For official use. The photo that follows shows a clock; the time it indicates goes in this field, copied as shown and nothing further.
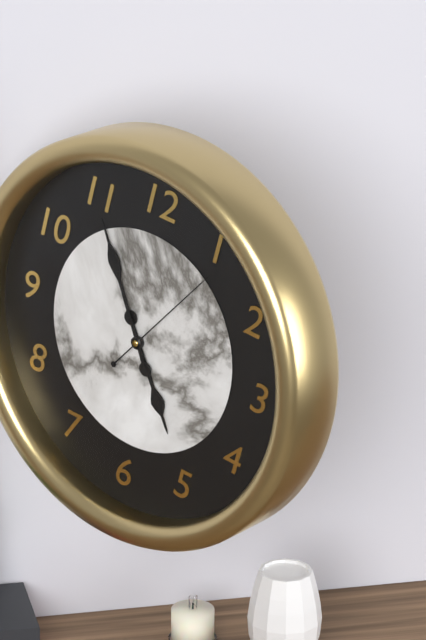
4:55:06
